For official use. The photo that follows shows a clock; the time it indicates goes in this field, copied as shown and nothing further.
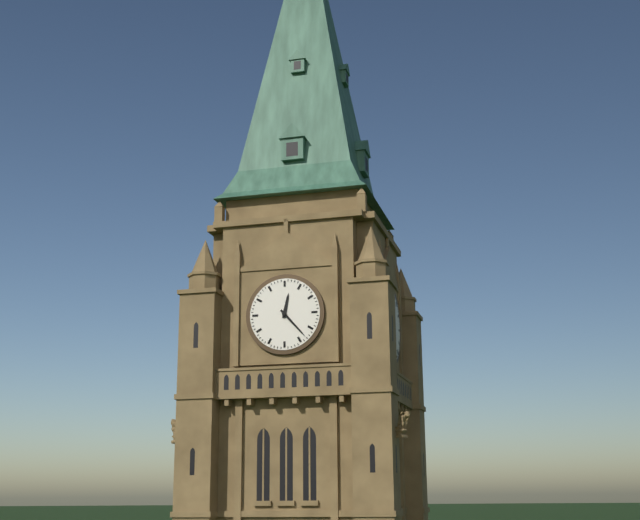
12:23
